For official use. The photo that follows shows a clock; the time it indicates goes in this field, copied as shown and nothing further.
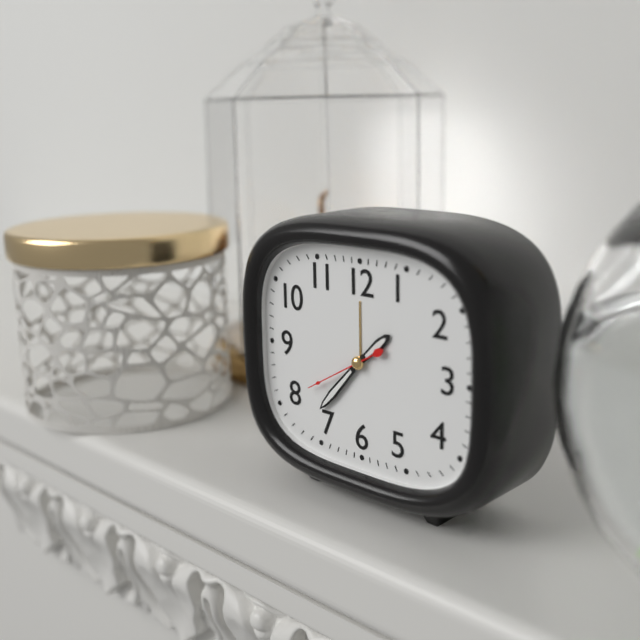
1:37:40
